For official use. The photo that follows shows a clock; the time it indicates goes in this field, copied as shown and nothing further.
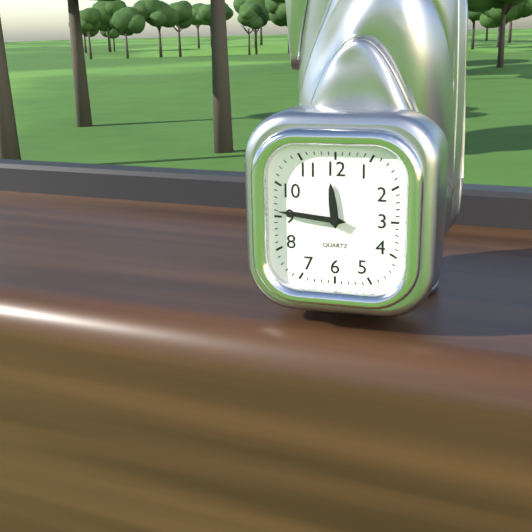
11:46
